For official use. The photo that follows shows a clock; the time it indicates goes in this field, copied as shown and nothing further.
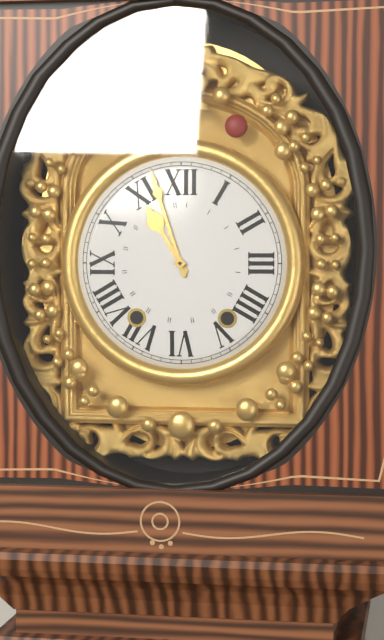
10:57
